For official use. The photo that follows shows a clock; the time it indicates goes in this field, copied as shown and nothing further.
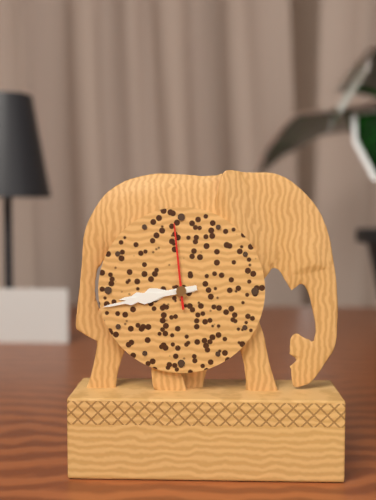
8:43:59
